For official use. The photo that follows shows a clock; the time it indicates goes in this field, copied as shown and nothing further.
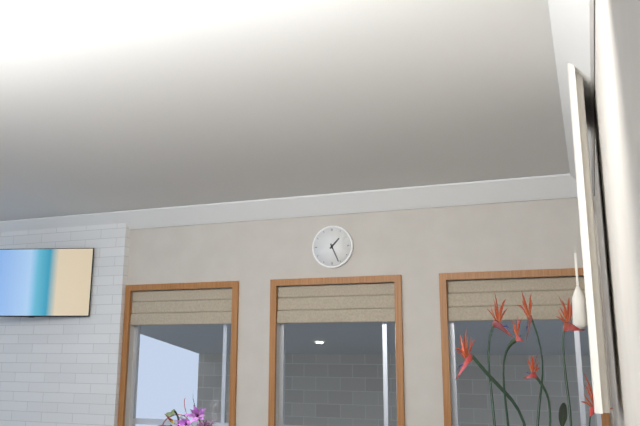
1:26
